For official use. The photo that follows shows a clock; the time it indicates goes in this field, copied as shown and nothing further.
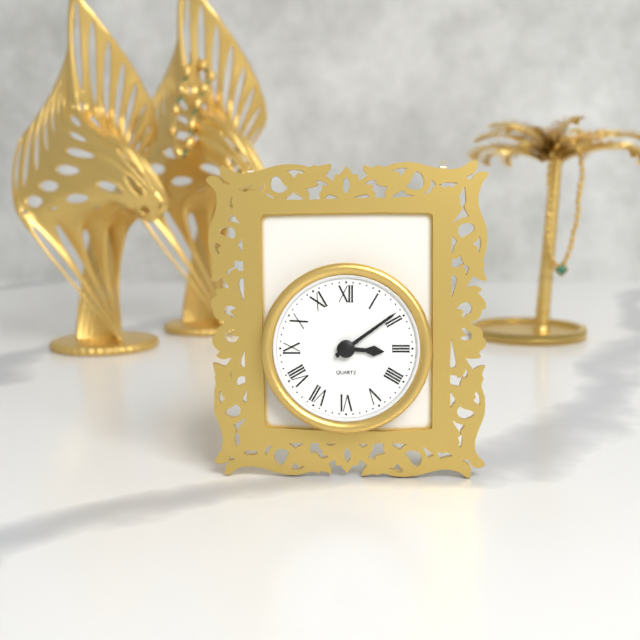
3:09
